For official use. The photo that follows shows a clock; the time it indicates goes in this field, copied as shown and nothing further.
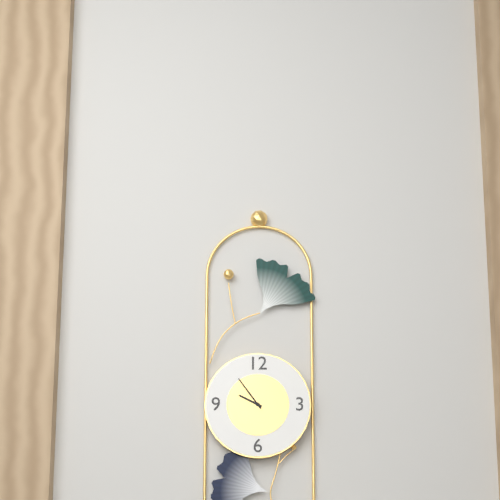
9:54
